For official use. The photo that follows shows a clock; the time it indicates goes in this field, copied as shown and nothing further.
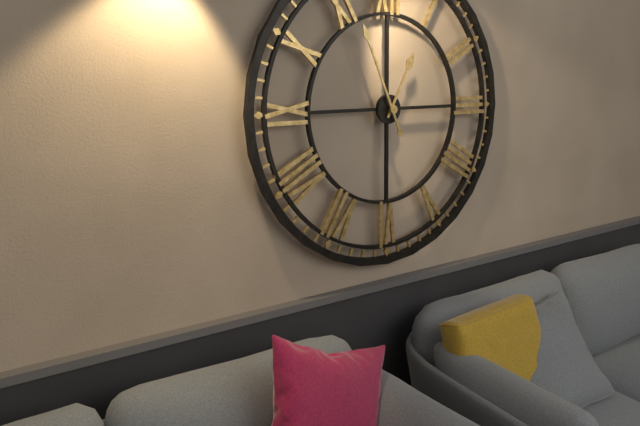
12:56
